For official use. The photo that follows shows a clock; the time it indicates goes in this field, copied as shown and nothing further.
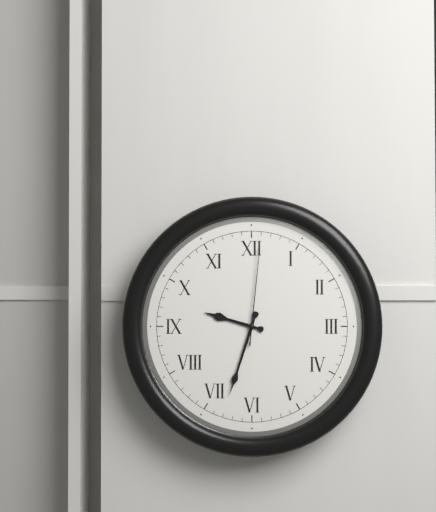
9:33:01
